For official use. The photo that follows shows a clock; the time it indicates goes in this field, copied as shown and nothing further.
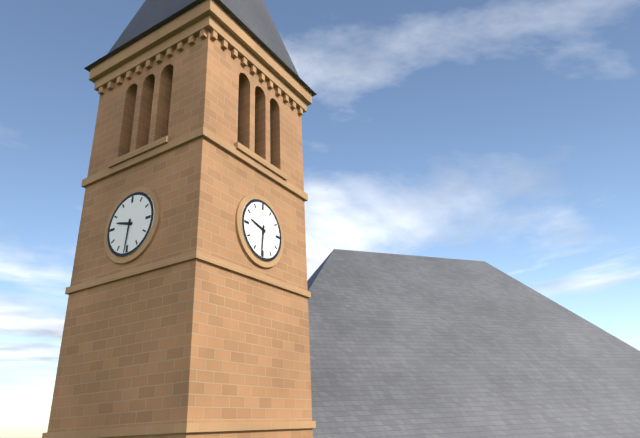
9:31
